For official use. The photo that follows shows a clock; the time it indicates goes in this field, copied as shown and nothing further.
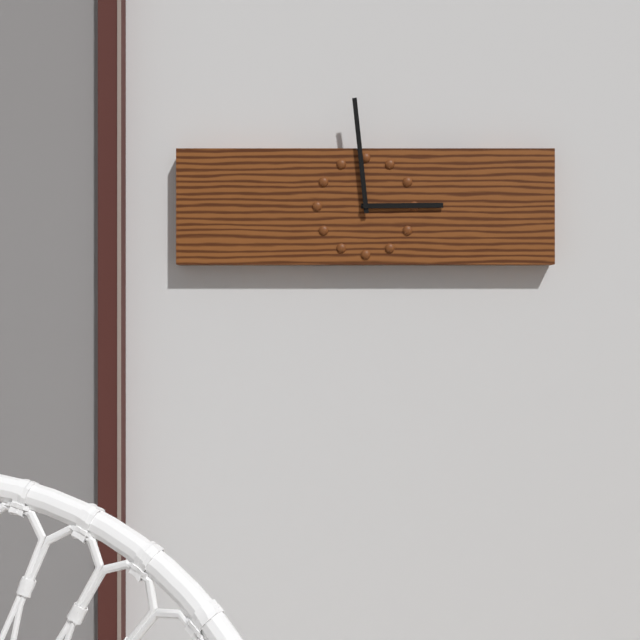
2:59
